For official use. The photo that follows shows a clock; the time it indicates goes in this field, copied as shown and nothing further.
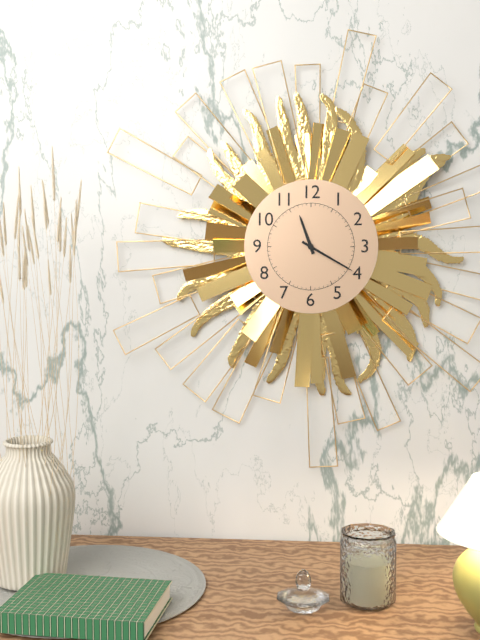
11:20
